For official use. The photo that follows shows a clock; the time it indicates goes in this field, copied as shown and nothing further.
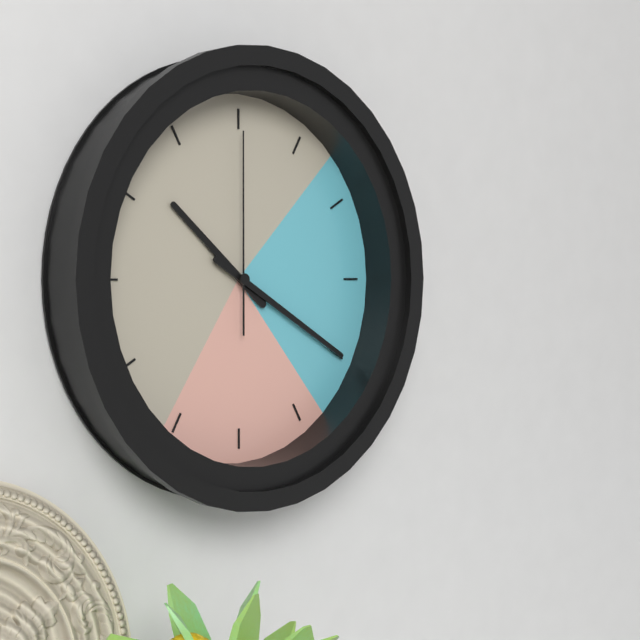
10:20:00
